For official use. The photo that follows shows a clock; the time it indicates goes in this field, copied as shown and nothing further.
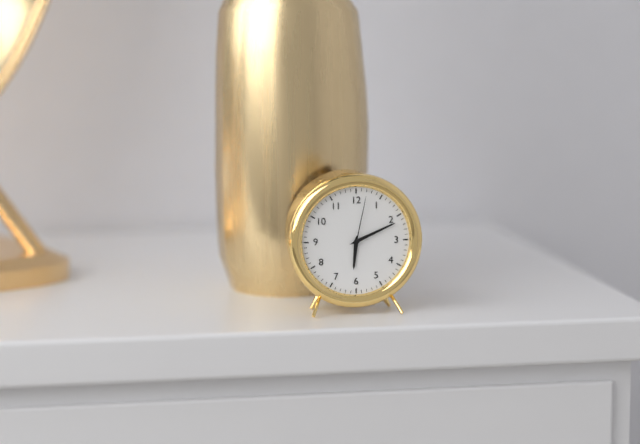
6:11:02
